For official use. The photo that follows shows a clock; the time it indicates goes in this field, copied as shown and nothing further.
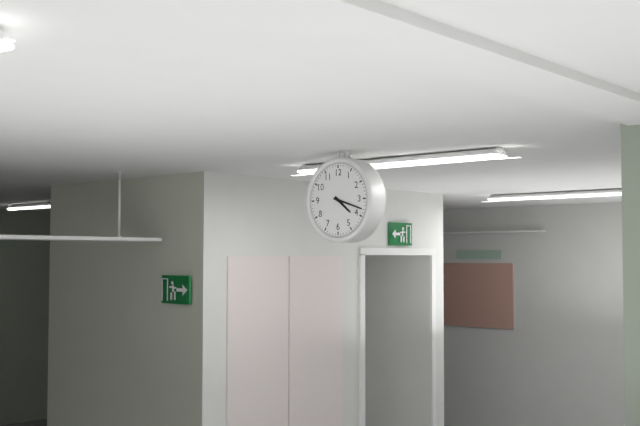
4:18
